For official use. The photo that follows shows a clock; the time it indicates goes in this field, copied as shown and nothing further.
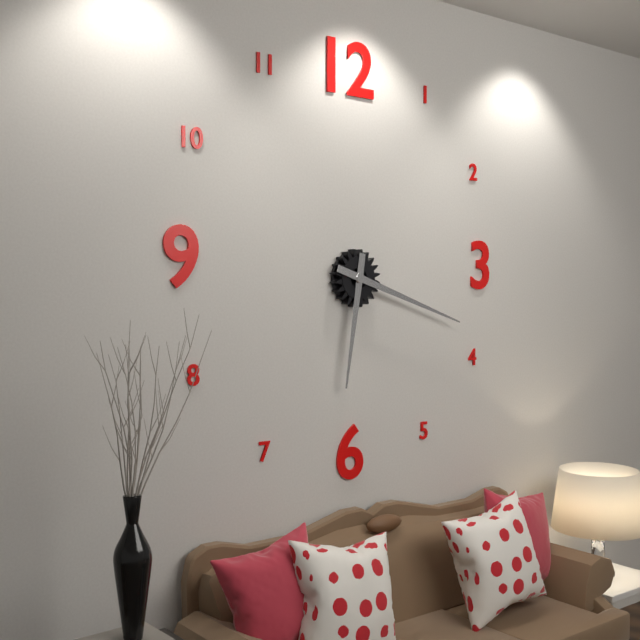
6:18
